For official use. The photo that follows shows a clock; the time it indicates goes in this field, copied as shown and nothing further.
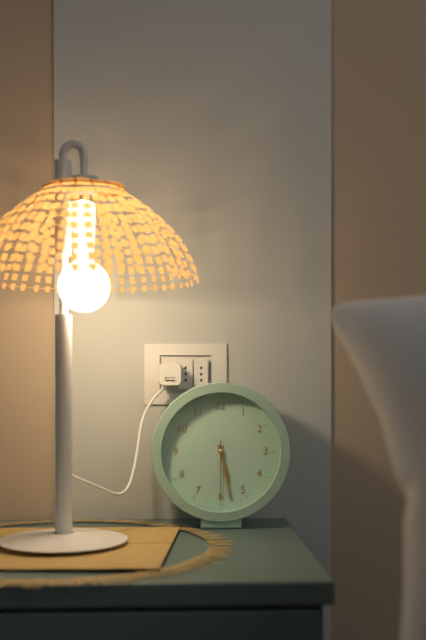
5:28:30
